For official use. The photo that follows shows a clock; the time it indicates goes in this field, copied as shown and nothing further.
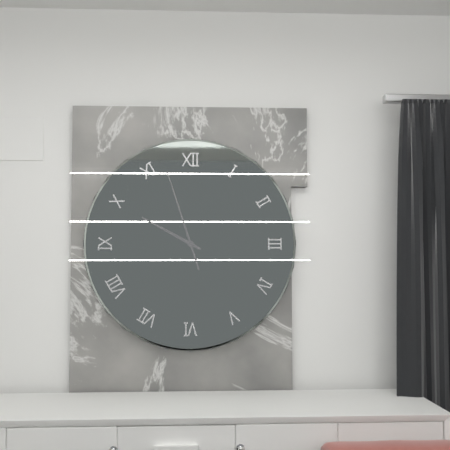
9:57
